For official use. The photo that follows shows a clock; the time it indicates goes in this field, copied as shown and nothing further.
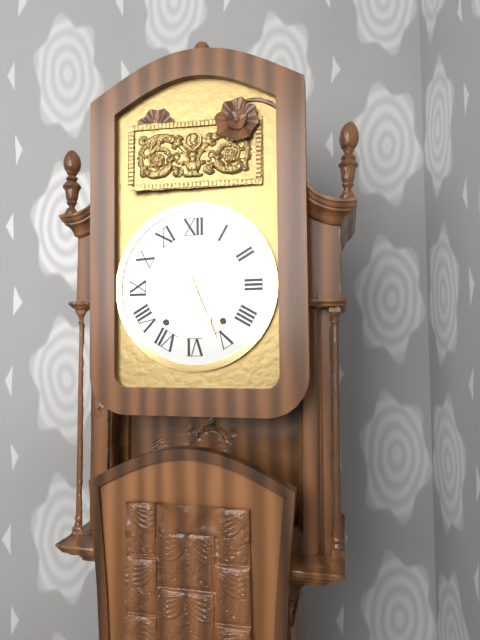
3:26
